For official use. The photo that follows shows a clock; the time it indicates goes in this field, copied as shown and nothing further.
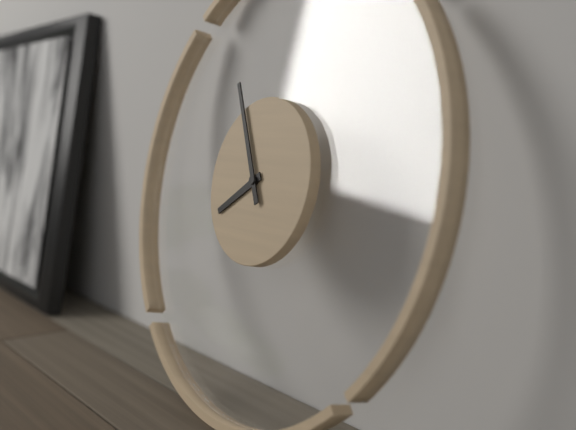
7:55
